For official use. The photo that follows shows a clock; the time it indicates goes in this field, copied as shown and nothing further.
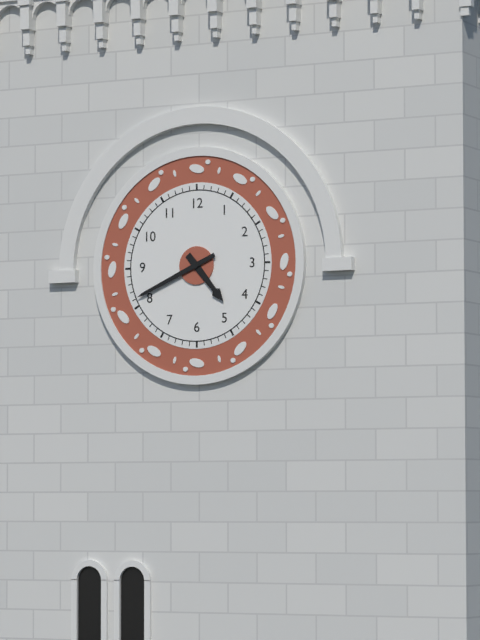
4:41
